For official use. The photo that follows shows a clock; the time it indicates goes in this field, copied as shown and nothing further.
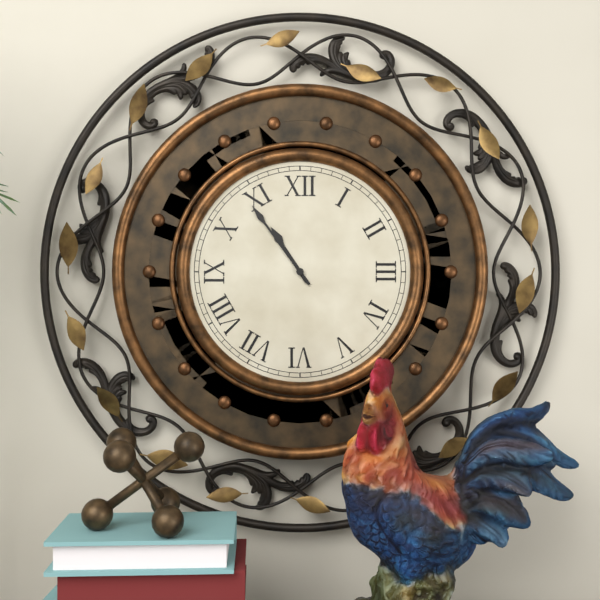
10:54
